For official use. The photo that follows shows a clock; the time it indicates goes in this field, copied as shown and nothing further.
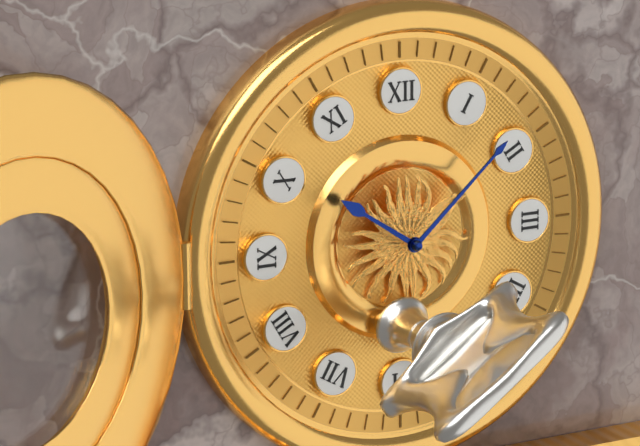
10:08
